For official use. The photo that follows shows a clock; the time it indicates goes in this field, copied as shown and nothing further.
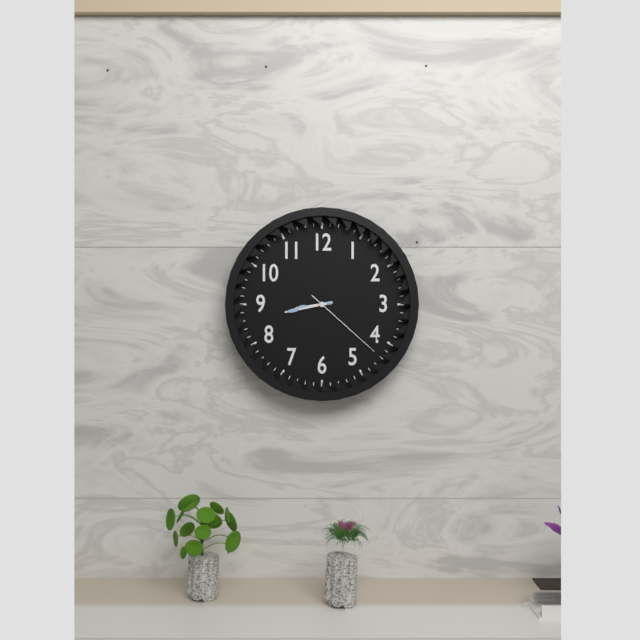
8:43:22
